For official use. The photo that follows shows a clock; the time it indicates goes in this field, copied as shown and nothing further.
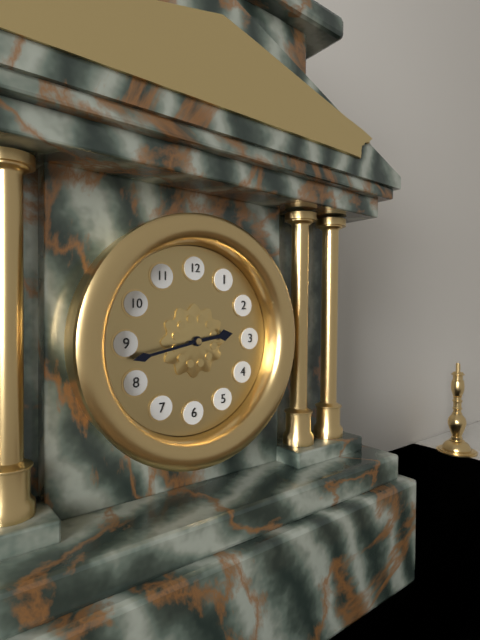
2:43
